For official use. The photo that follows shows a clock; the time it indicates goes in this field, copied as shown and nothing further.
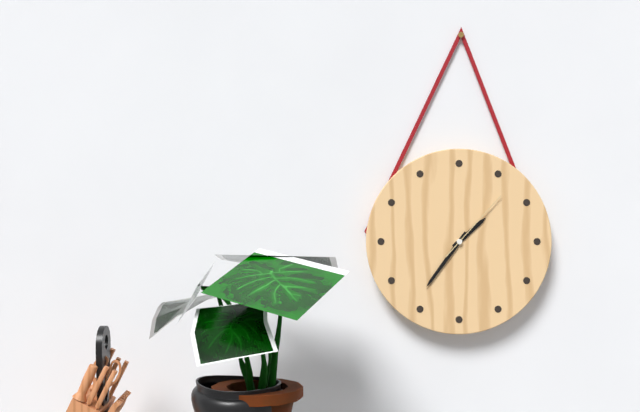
1:36:07
